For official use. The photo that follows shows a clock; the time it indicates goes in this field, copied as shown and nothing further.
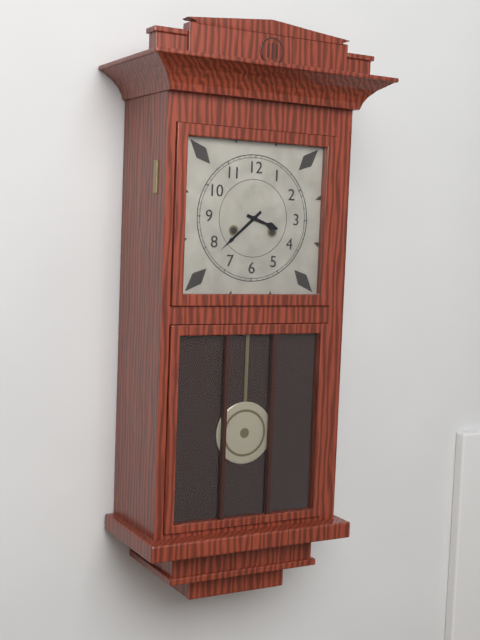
3:38
